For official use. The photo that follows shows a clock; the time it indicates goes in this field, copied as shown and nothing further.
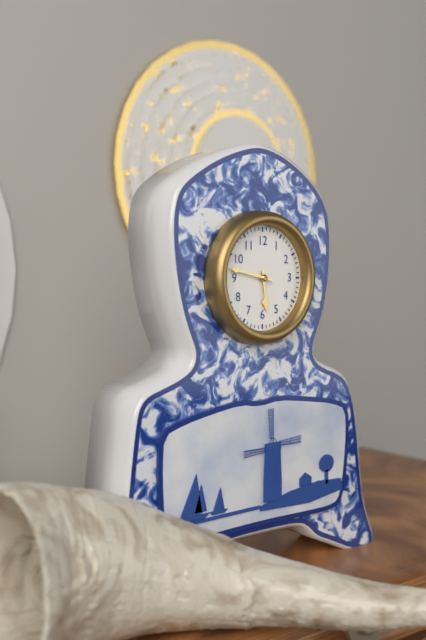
5:47
